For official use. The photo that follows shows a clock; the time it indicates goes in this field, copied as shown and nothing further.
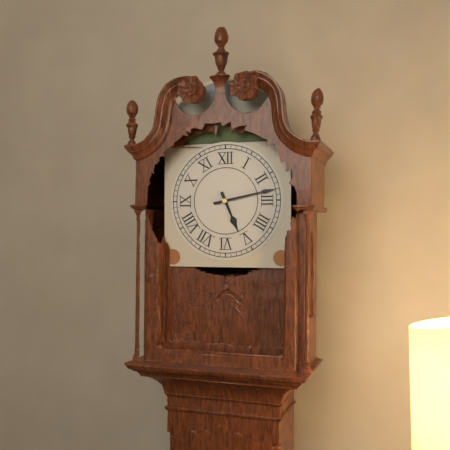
5:13
